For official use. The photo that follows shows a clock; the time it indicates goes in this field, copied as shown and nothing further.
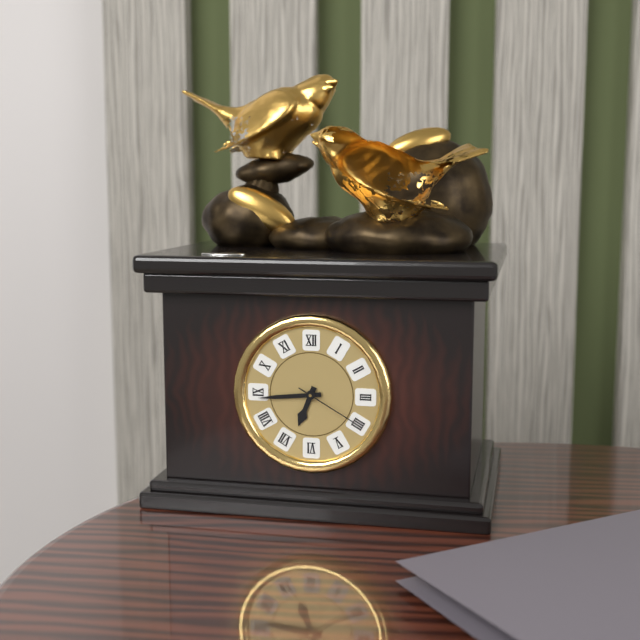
6:44:20
